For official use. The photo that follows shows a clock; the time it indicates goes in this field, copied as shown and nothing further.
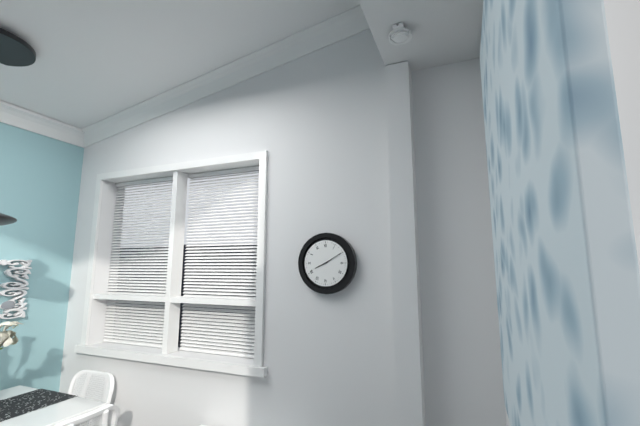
8:10
